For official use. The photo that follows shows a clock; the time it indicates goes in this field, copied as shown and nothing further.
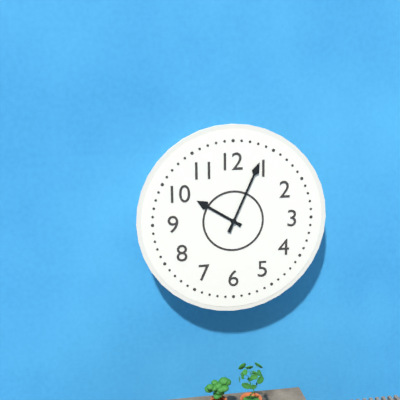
10:04
